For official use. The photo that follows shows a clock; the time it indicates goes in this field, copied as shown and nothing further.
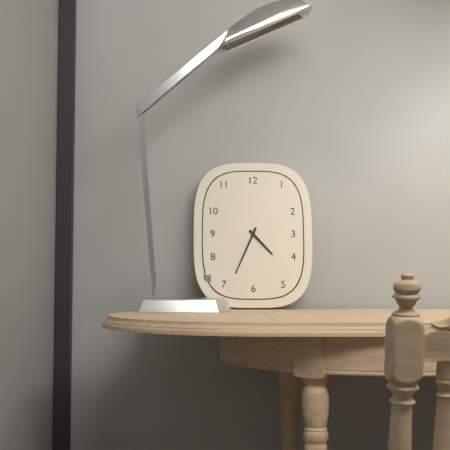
4:34
